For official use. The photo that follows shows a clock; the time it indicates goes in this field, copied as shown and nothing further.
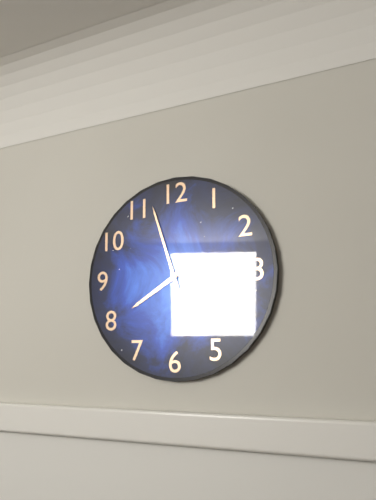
7:57
